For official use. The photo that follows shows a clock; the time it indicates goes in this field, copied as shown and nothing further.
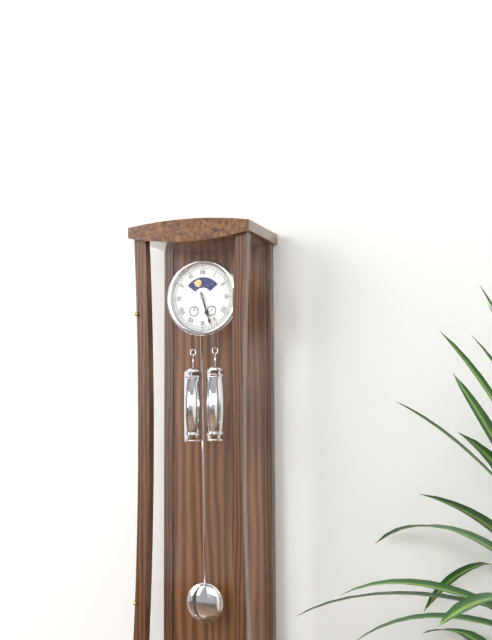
5:27
